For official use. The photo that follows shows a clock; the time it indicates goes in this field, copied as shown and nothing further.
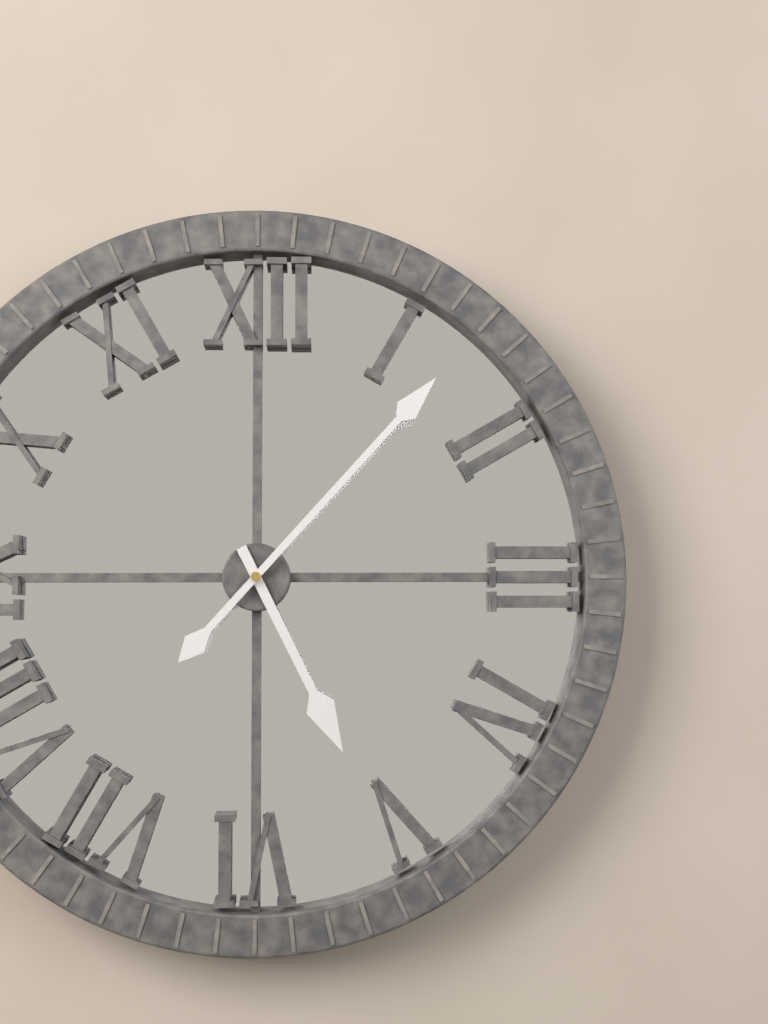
5:07
